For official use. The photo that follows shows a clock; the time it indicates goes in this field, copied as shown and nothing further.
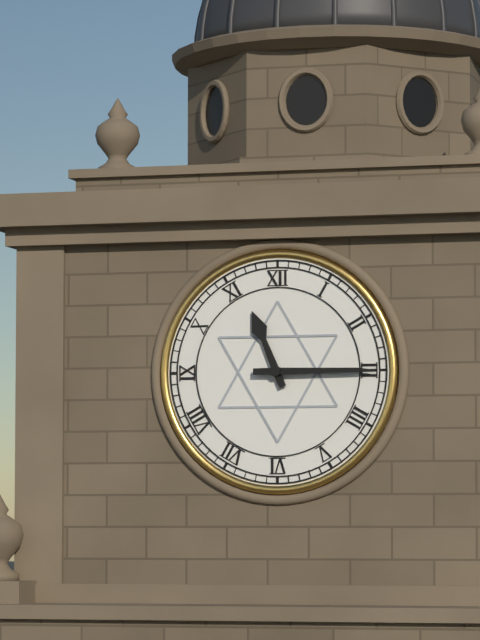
11:15
